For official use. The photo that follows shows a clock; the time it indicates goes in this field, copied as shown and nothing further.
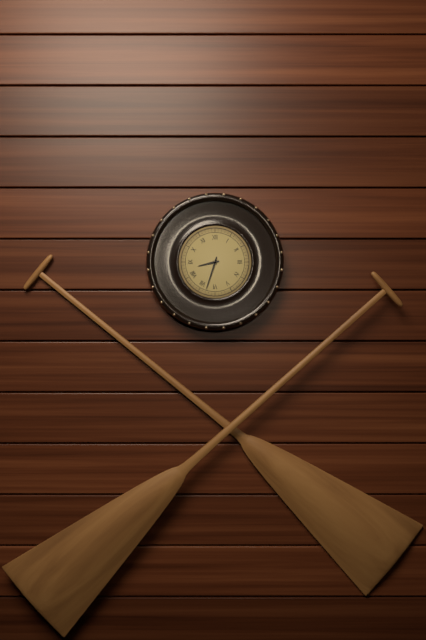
8:33
